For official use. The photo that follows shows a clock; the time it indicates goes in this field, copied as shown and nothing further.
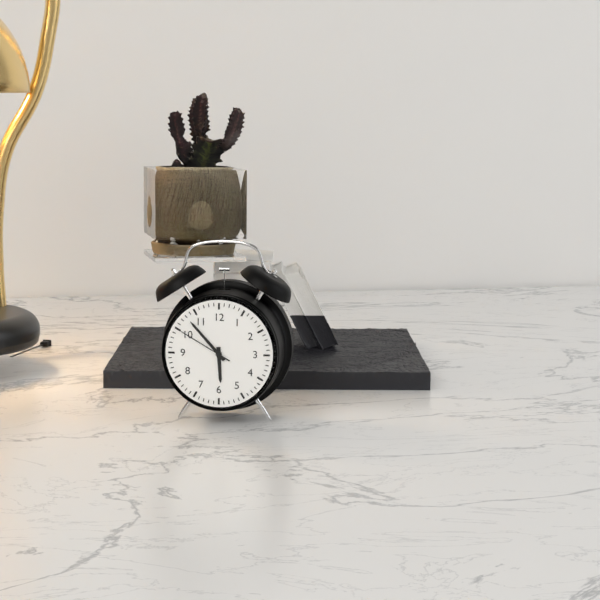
5:53:50
